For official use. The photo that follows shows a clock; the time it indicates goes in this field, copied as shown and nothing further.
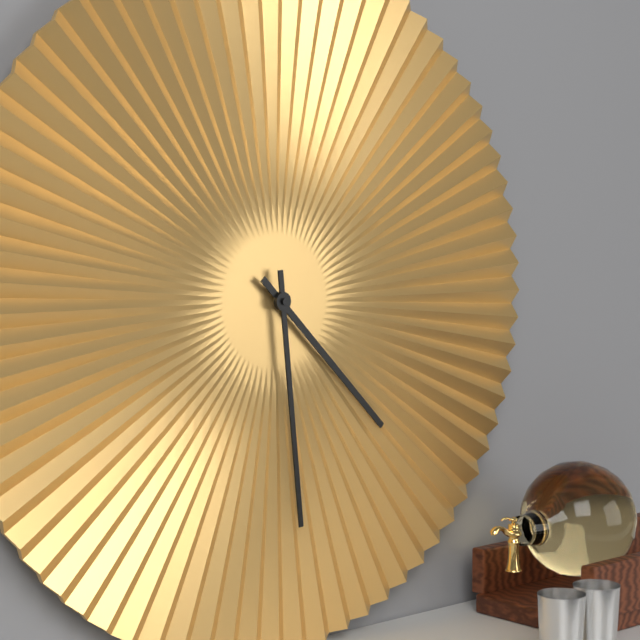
4:29
